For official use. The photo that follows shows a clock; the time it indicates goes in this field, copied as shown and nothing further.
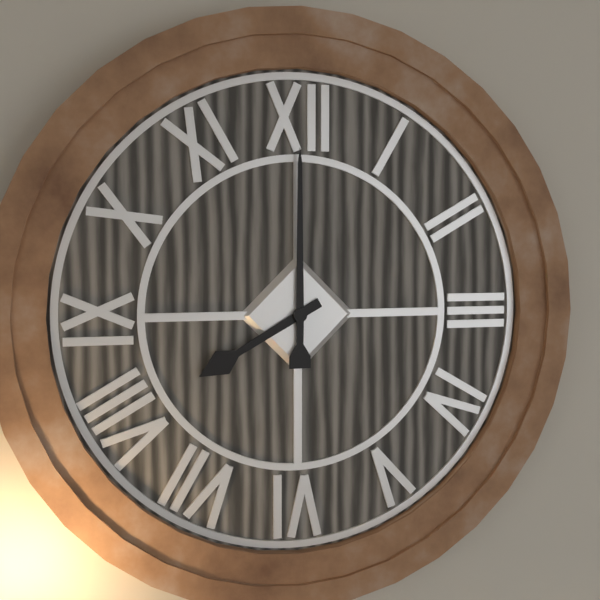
8:00
